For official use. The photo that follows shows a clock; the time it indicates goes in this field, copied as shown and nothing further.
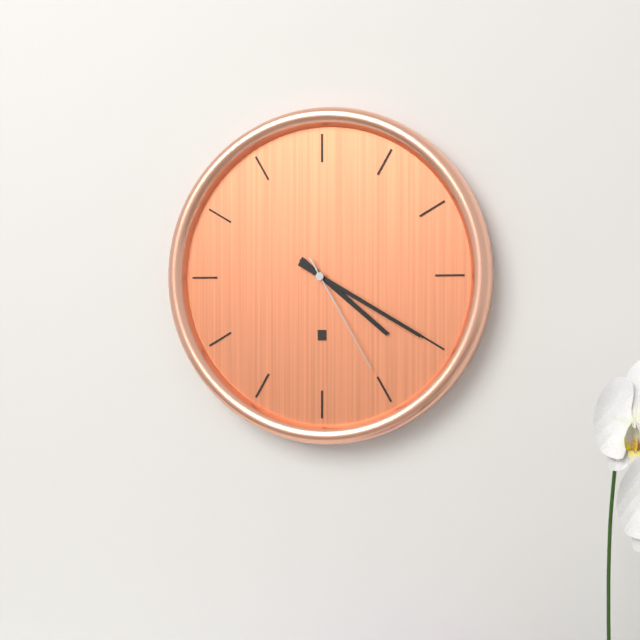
4:20:25
